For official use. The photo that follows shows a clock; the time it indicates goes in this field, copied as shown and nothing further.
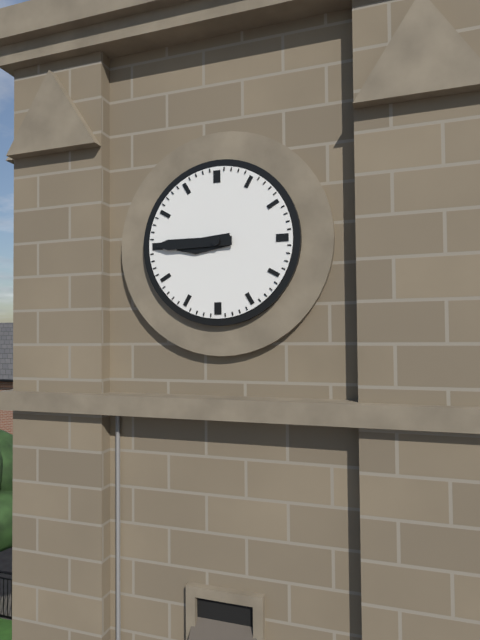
8:45
